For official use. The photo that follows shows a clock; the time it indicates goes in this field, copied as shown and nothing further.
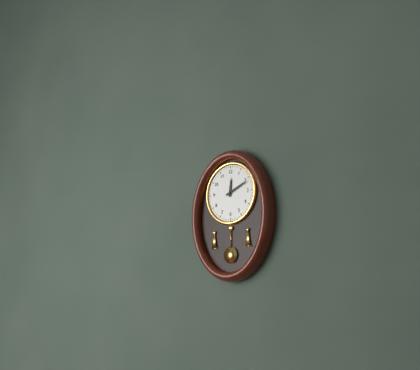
12:11
